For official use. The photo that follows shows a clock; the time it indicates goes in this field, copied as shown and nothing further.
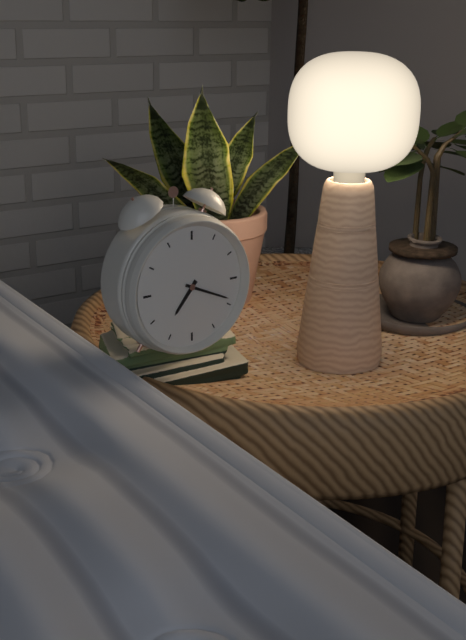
7:19
